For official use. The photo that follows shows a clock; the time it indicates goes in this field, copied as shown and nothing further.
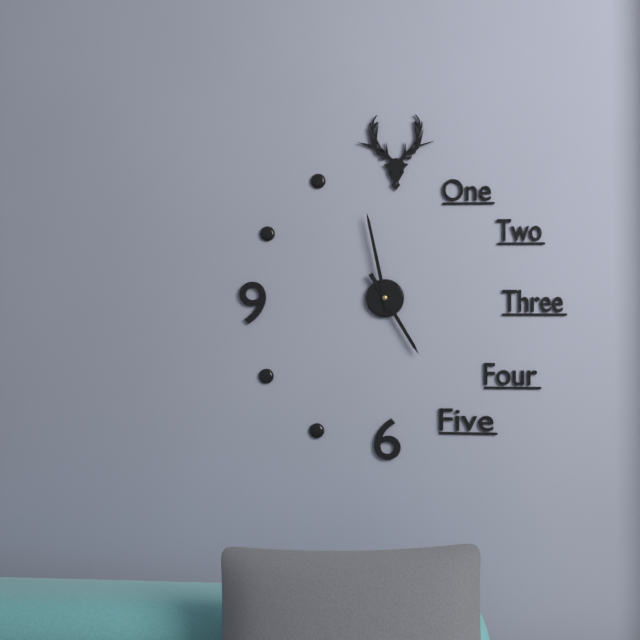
4:58
